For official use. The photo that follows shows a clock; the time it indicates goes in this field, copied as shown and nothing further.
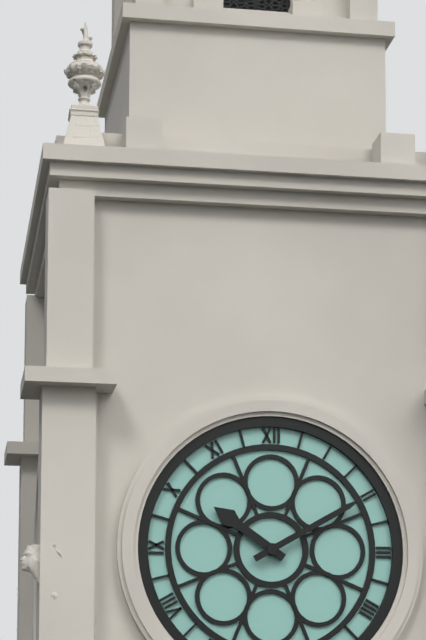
10:10
